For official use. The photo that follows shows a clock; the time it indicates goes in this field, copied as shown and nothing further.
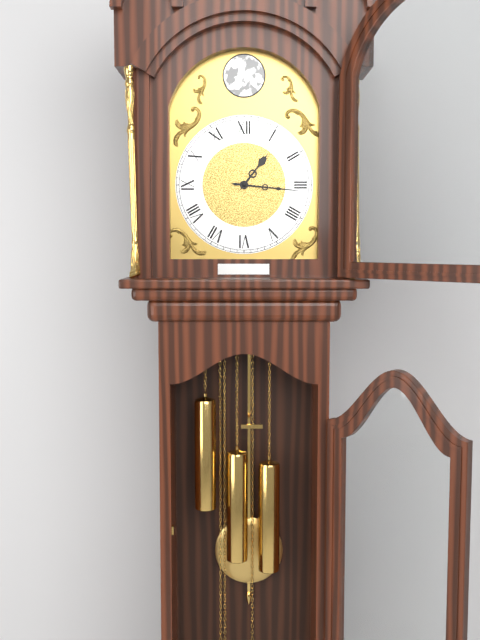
1:16
